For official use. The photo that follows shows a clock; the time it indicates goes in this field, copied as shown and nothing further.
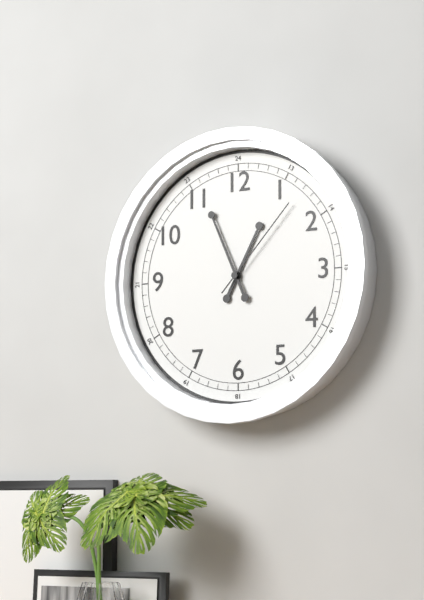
12:56:07
